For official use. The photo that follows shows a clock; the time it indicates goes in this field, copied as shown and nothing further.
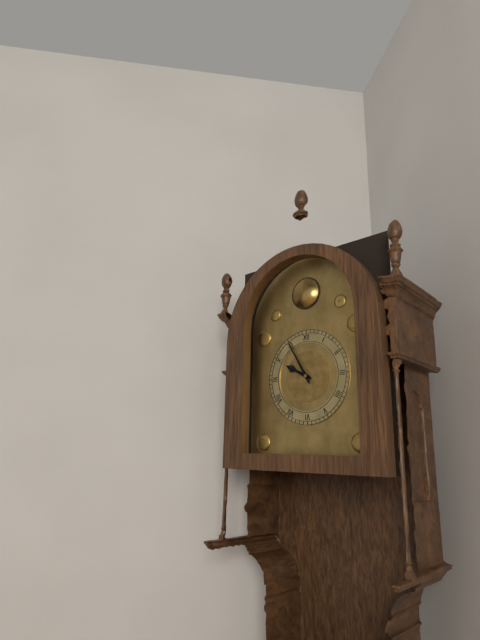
9:55
